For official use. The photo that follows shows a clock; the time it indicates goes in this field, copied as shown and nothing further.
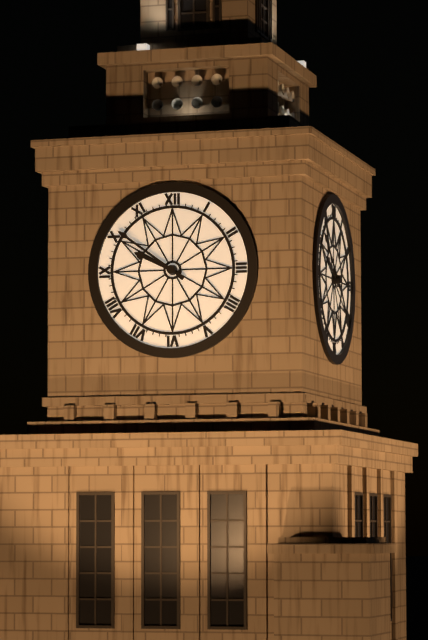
9:51
